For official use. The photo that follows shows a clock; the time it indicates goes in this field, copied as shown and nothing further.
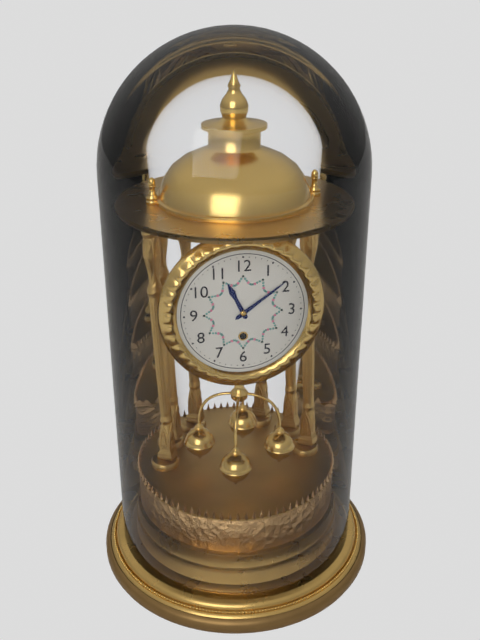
11:09
